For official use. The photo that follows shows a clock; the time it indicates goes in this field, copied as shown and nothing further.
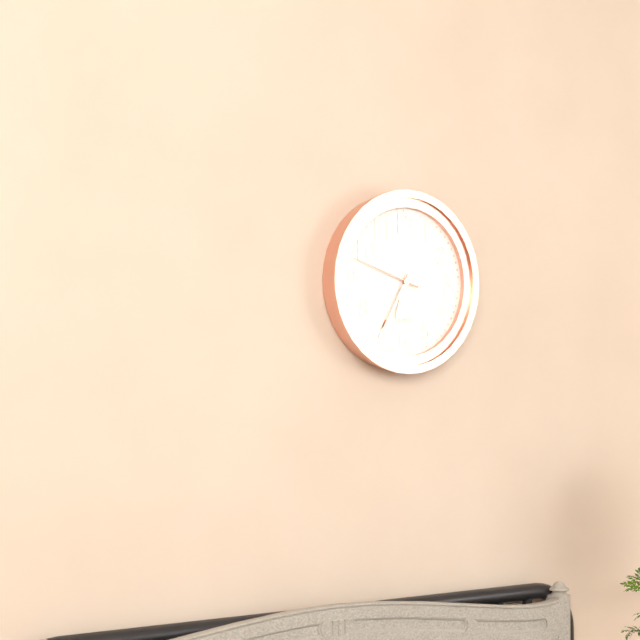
6:35:48
